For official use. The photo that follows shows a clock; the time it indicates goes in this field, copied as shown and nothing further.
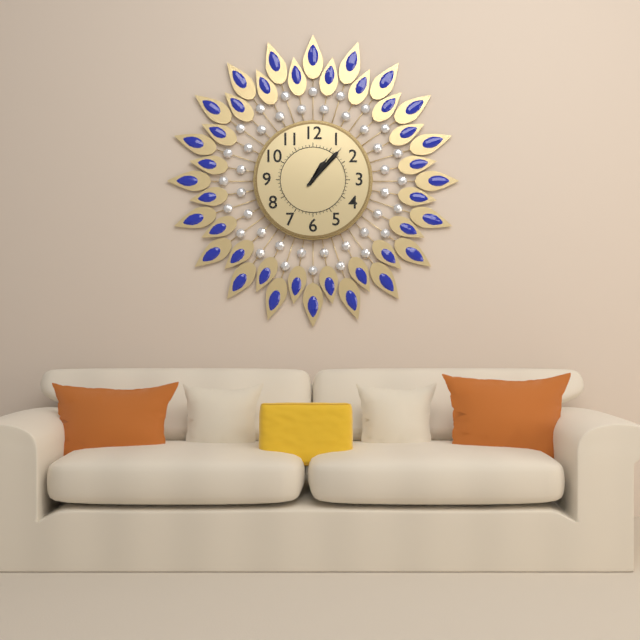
1:07
